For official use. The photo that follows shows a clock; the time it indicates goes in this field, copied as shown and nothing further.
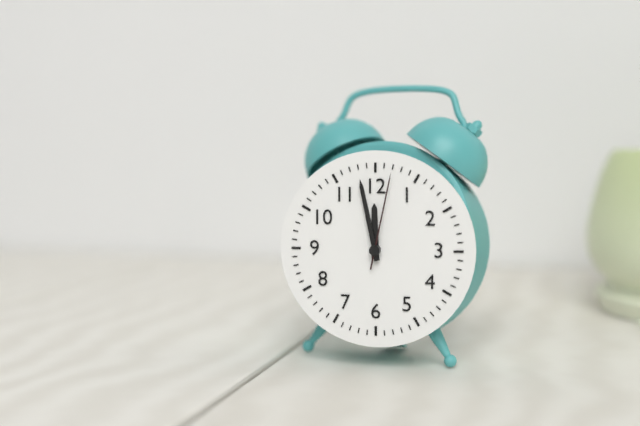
11:58:02
